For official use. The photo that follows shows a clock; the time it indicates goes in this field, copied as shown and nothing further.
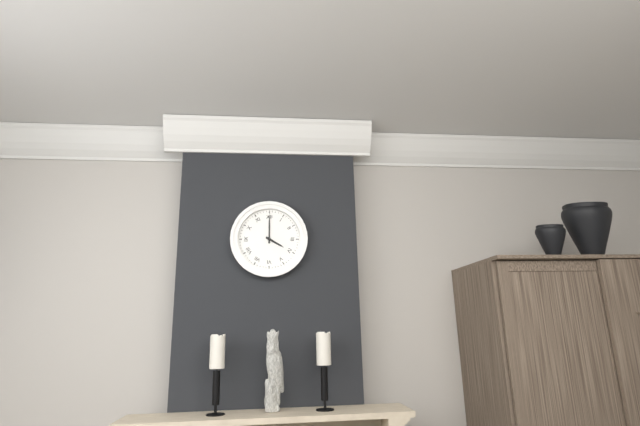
4:00
